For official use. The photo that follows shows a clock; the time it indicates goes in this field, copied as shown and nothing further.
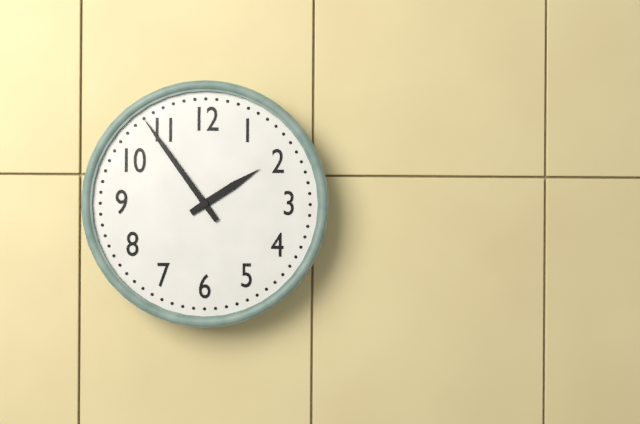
1:54
